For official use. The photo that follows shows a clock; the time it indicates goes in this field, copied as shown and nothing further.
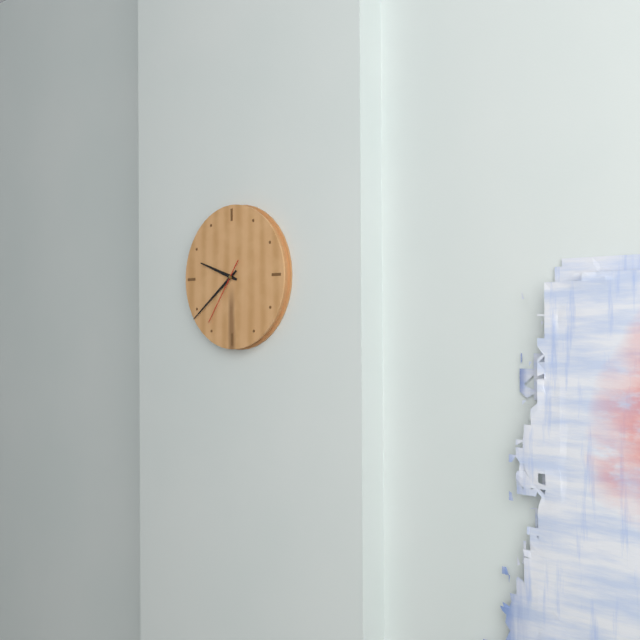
9:39:36
